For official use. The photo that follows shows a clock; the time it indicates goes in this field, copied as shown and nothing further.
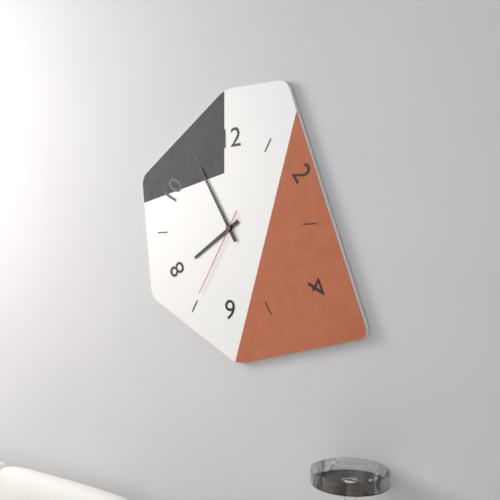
7:55:35
